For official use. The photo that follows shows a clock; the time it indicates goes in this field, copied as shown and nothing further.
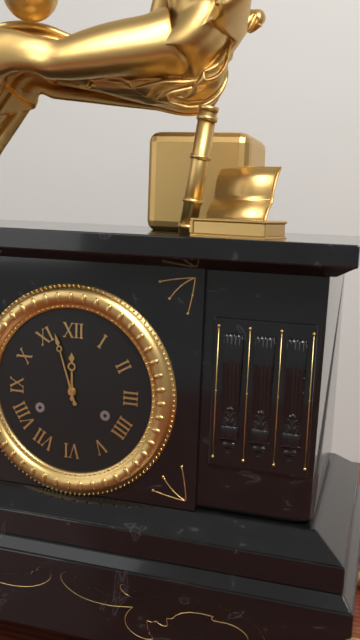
11:57
